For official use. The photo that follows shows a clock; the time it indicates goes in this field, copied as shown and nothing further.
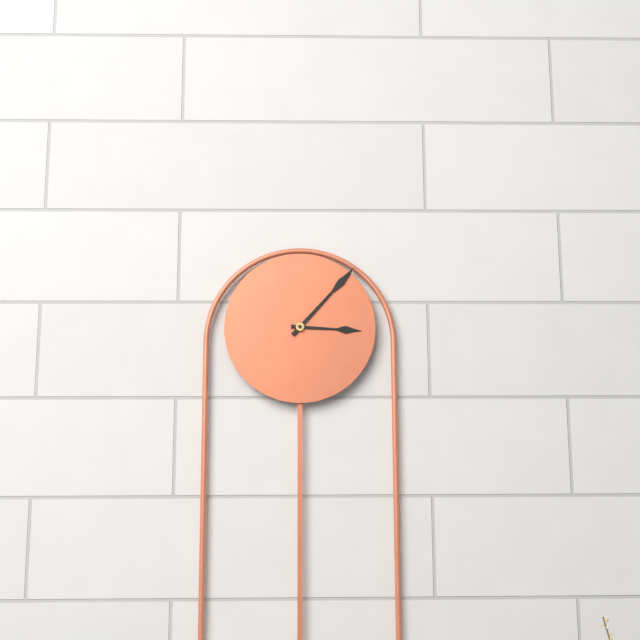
3:07
